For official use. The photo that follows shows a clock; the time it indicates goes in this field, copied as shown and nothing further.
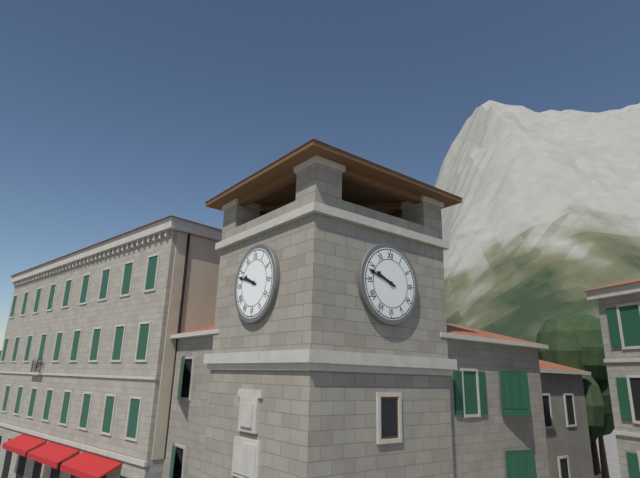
9:48
